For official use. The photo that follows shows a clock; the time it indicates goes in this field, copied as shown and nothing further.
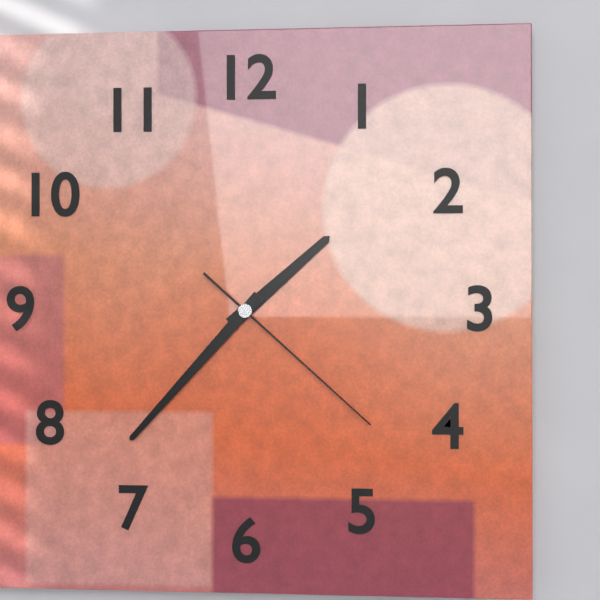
1:37:22
